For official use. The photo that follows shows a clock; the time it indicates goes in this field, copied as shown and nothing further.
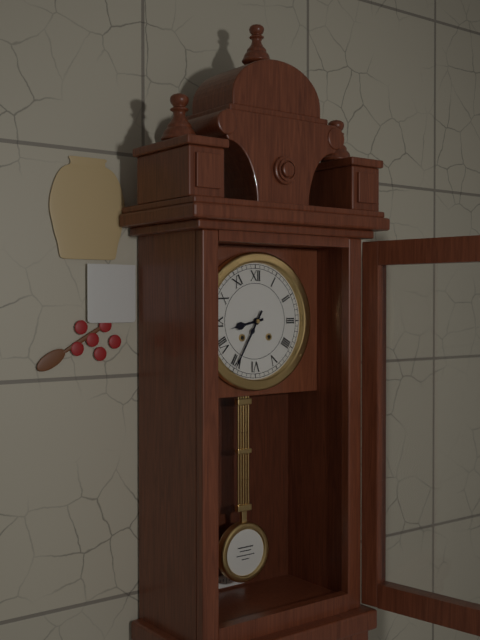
8:35
